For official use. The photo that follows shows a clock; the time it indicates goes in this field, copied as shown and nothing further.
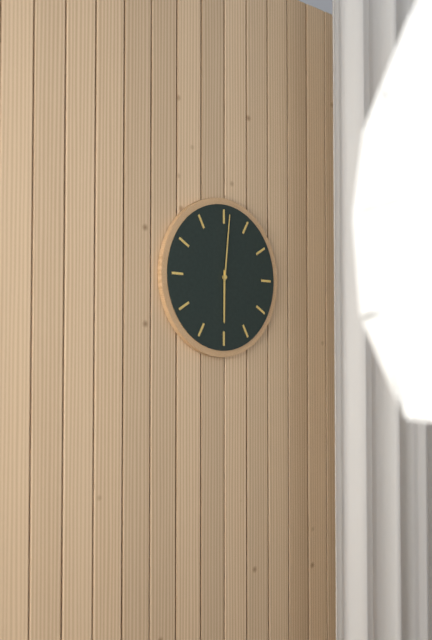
6:01
